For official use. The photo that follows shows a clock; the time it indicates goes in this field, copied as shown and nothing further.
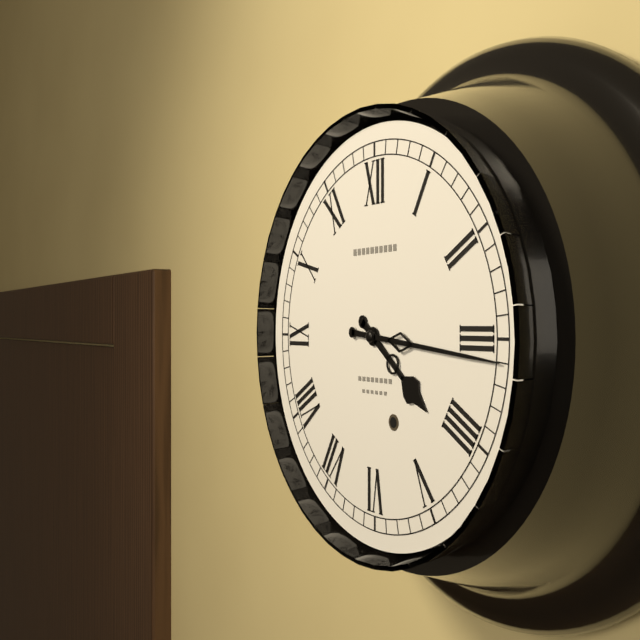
4:16
